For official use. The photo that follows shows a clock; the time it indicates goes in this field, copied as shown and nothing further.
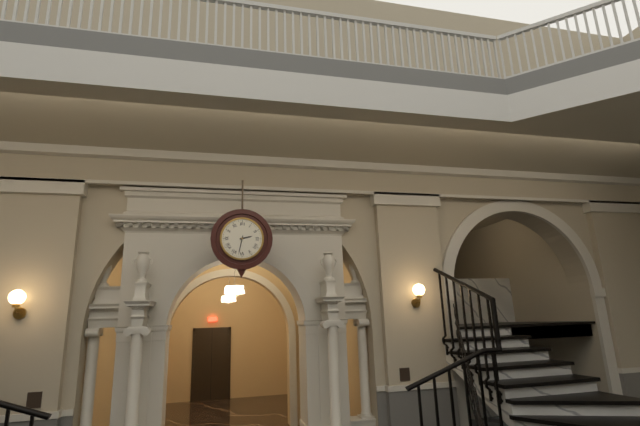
2:32
